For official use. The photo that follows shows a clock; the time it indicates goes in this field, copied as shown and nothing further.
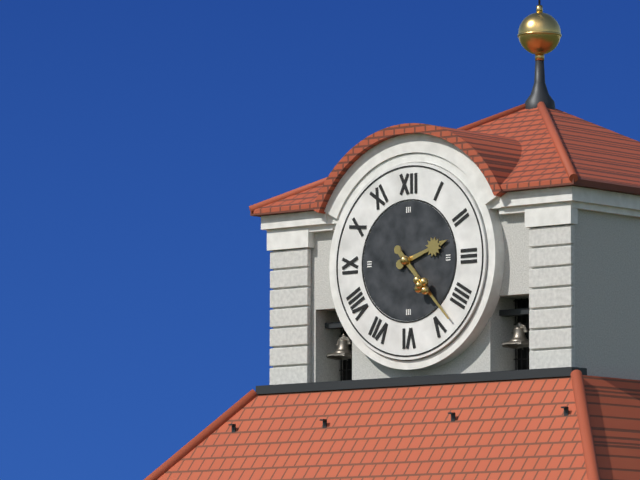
2:23
